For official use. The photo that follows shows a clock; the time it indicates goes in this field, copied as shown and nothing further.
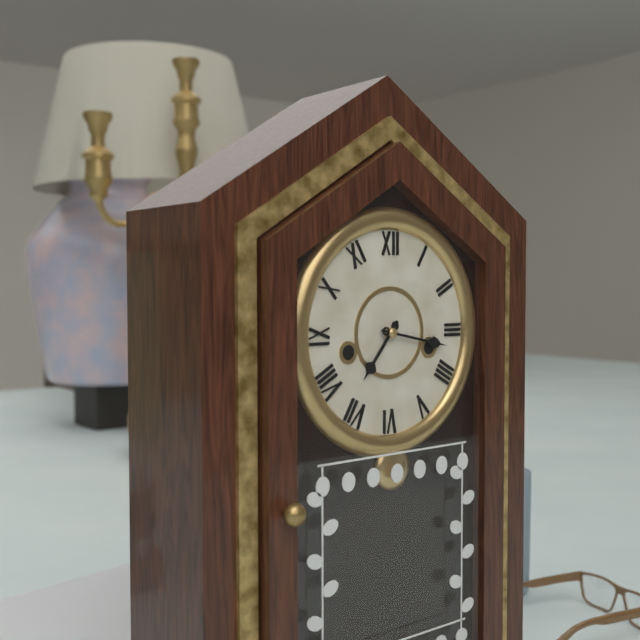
7:17
